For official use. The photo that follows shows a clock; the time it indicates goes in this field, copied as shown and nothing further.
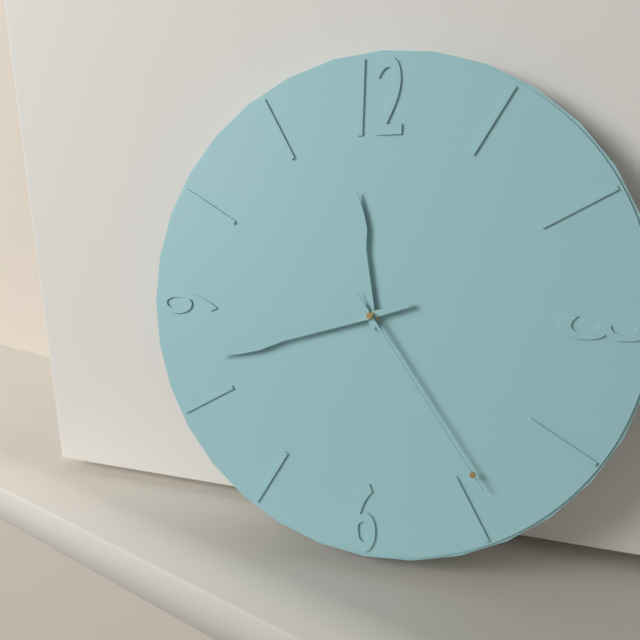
11:42:24
